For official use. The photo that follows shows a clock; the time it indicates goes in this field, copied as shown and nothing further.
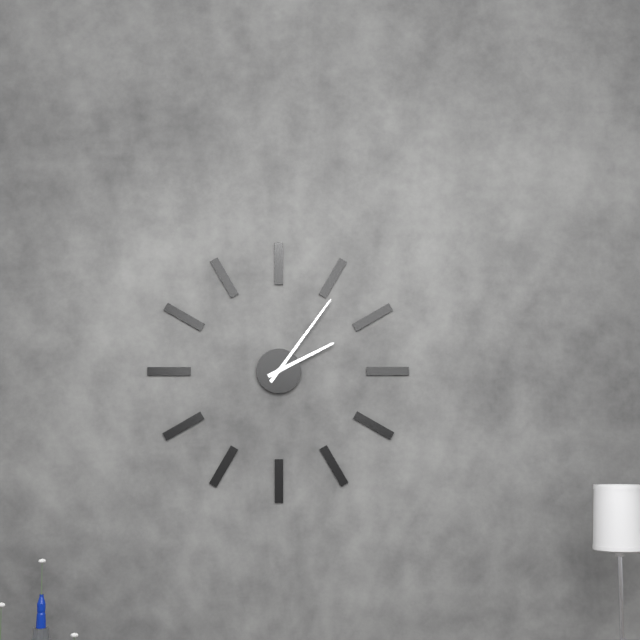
2:06
